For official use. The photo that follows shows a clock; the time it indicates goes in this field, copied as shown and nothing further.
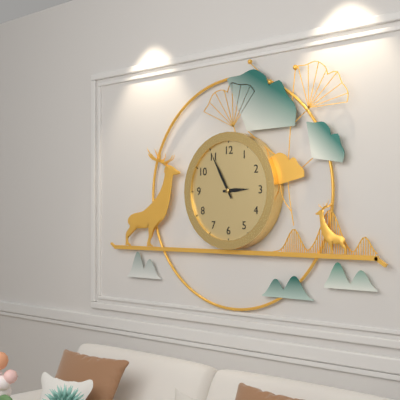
2:55
